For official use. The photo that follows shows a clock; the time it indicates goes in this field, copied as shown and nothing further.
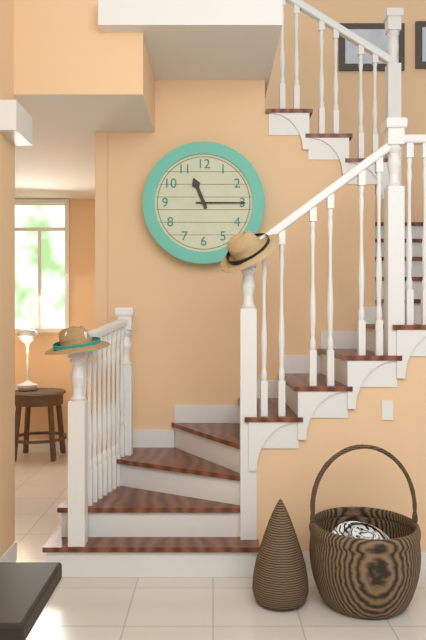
11:15
